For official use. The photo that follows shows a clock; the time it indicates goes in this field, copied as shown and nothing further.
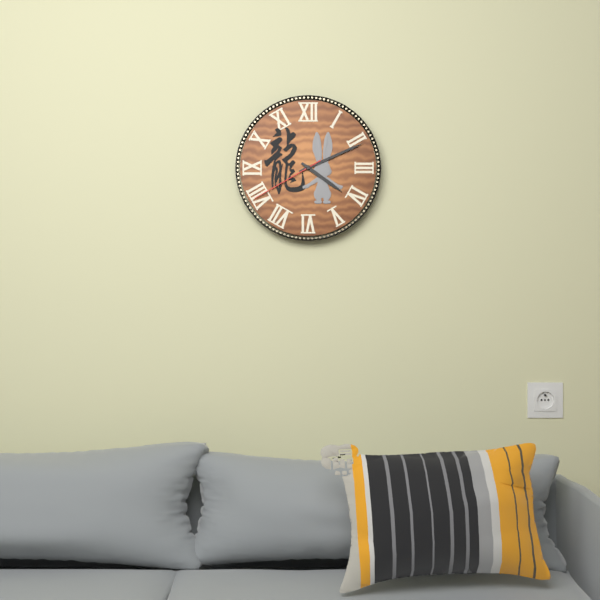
4:11:40
